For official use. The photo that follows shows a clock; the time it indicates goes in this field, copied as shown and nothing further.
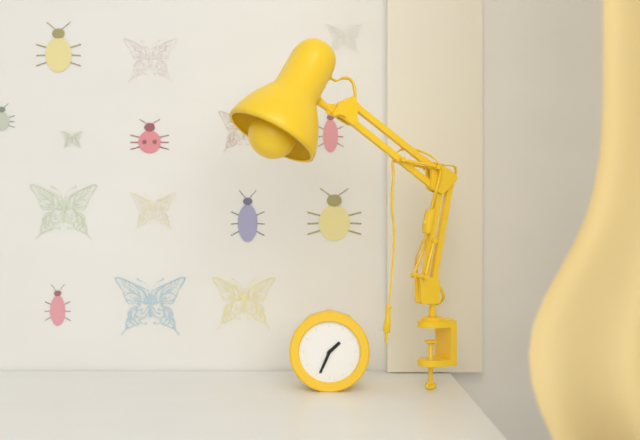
1:34
